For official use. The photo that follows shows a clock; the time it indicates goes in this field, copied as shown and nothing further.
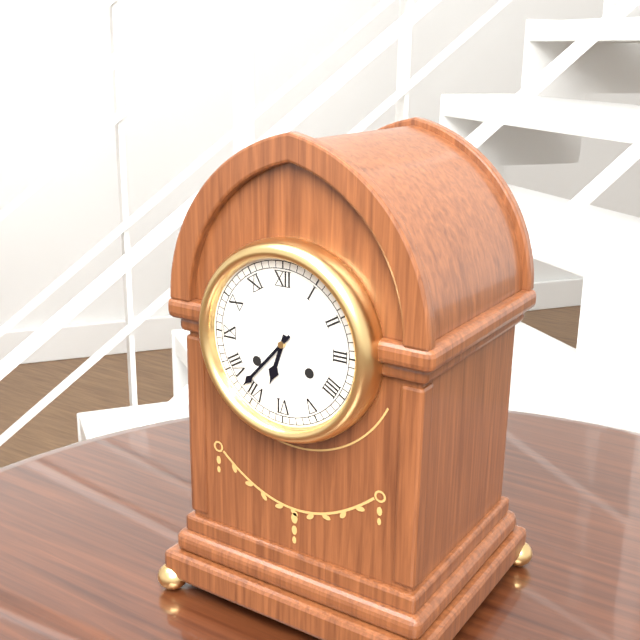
6:37
